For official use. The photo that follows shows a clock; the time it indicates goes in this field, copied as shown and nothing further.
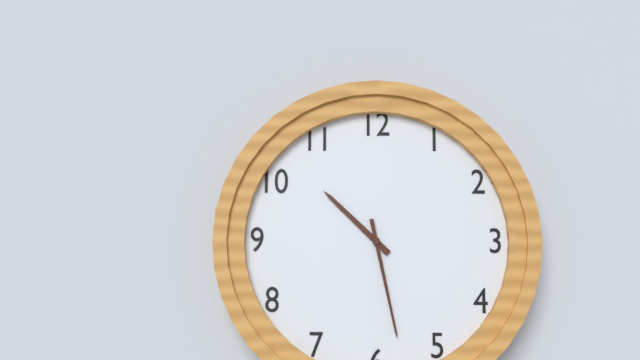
10:28
